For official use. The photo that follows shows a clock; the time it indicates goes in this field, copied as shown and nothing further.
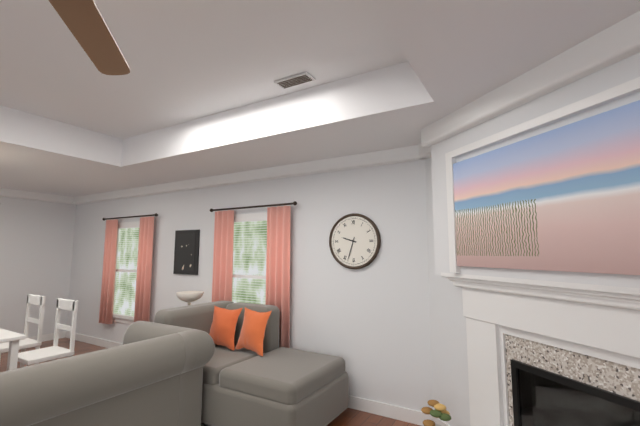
9:33
